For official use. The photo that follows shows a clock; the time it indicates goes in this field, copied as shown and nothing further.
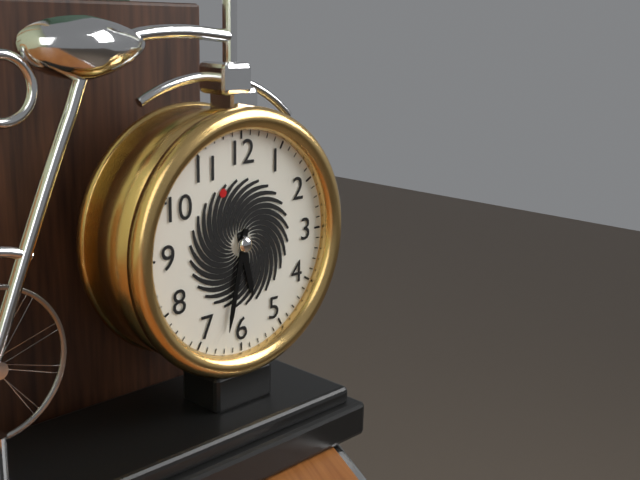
5:32
